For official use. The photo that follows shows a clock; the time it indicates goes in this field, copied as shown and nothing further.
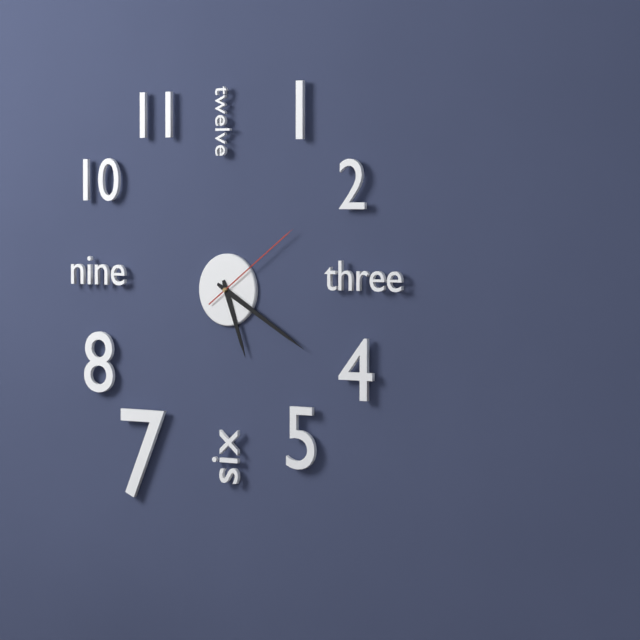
5:20:09
